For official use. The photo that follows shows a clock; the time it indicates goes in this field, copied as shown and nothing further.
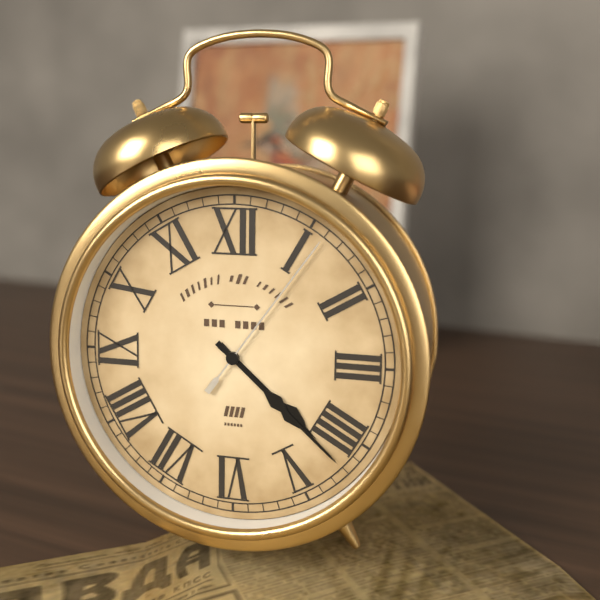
4:22:06
